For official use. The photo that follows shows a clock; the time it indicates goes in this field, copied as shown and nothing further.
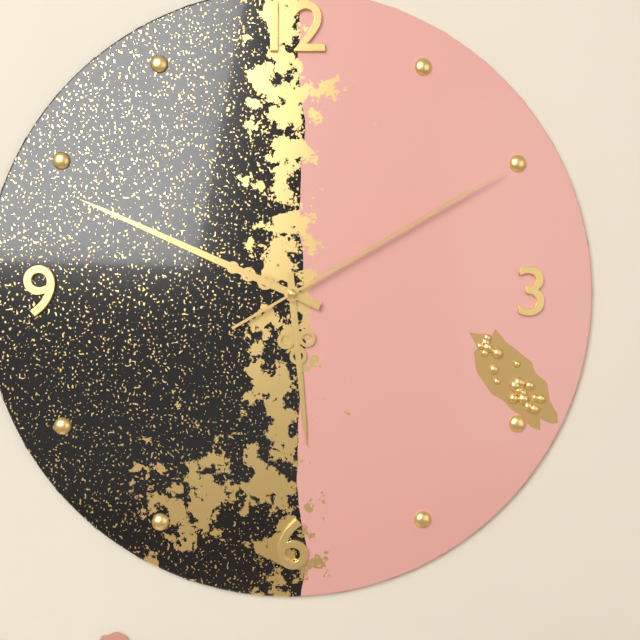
5:49:10
